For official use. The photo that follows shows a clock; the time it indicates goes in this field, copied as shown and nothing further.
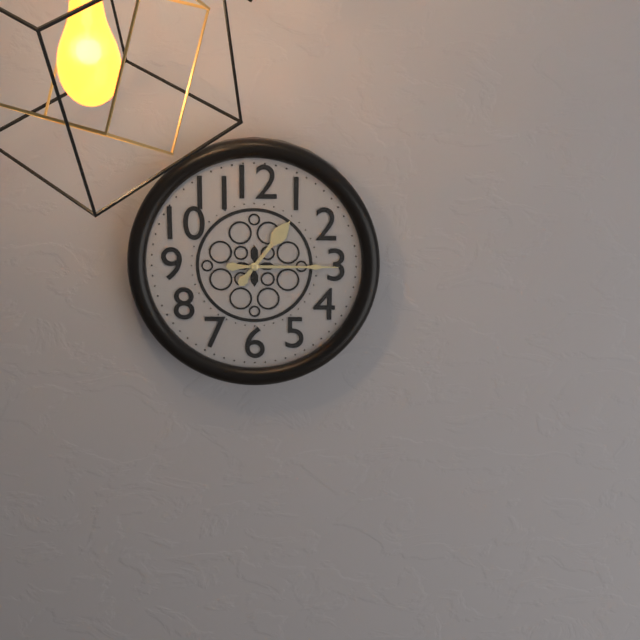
1:15
